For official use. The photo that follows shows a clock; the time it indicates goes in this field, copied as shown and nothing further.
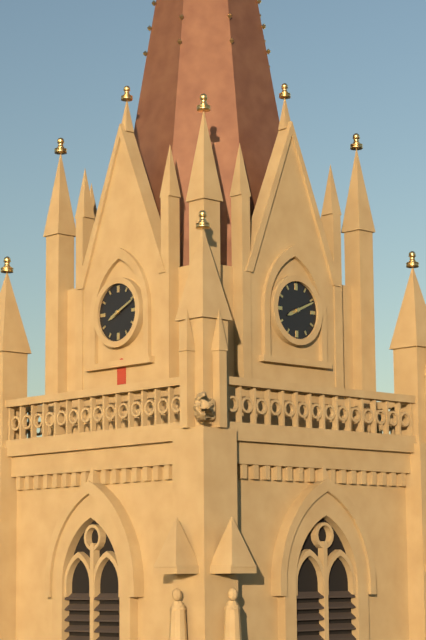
8:11
